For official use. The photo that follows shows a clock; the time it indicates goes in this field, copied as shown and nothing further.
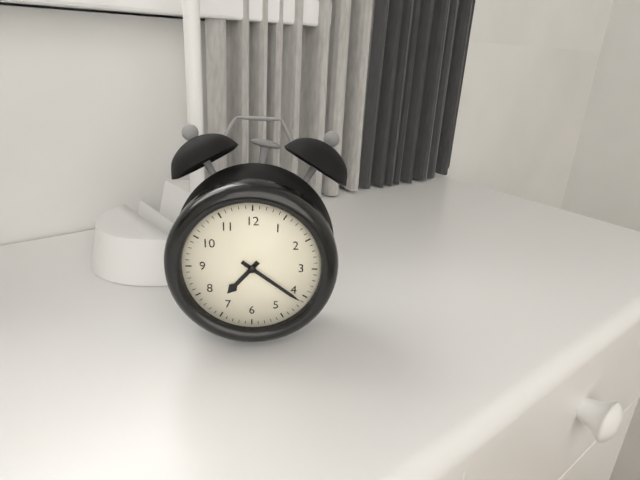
7:21
